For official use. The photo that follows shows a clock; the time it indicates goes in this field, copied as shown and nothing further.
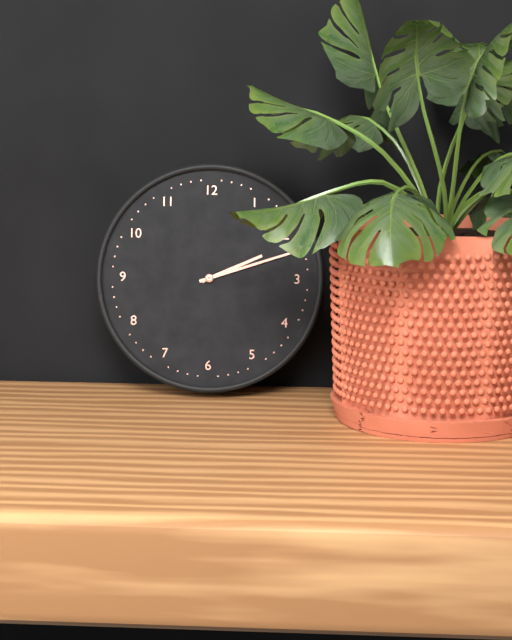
2:12
